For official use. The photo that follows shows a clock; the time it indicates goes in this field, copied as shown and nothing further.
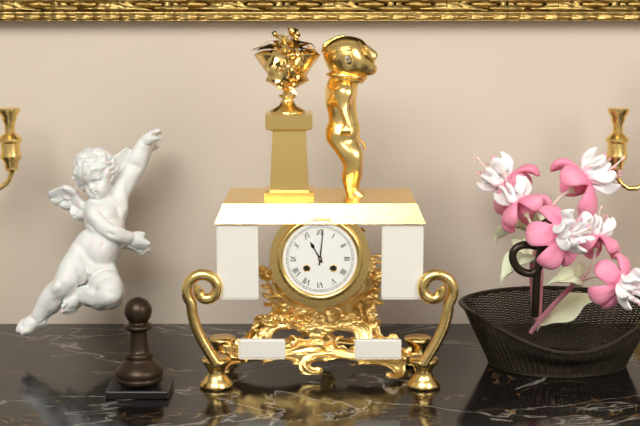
11:01
